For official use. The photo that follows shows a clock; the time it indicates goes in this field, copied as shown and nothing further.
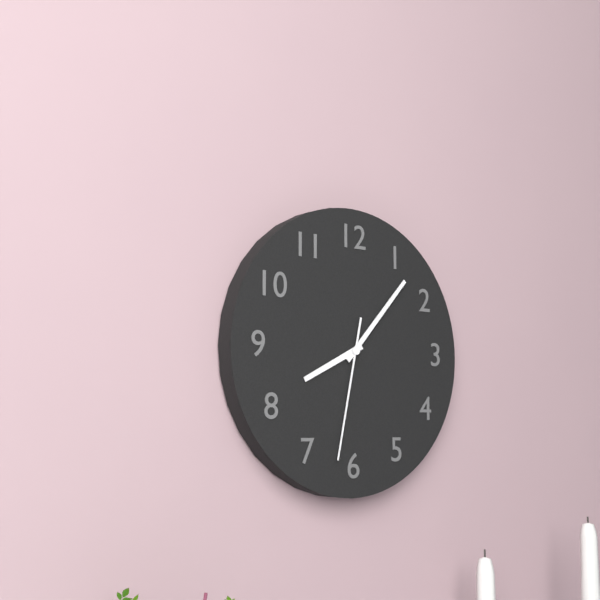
8:07:32
